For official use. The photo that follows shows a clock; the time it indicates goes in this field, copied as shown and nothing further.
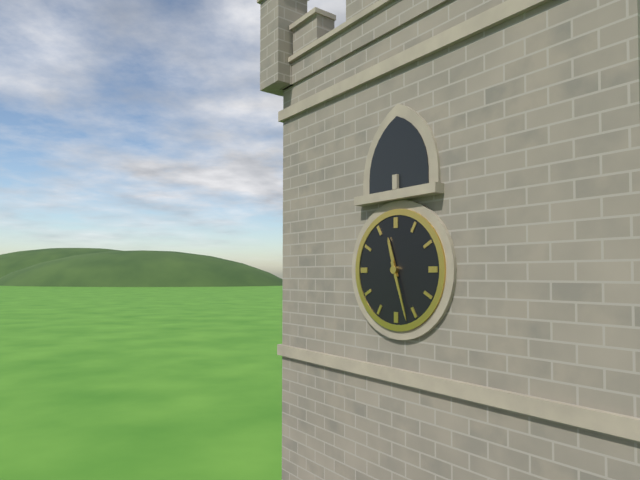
11:27
